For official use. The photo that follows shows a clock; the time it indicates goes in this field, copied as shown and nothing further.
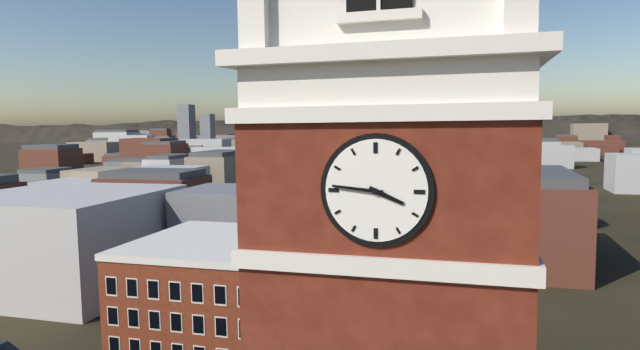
3:46
